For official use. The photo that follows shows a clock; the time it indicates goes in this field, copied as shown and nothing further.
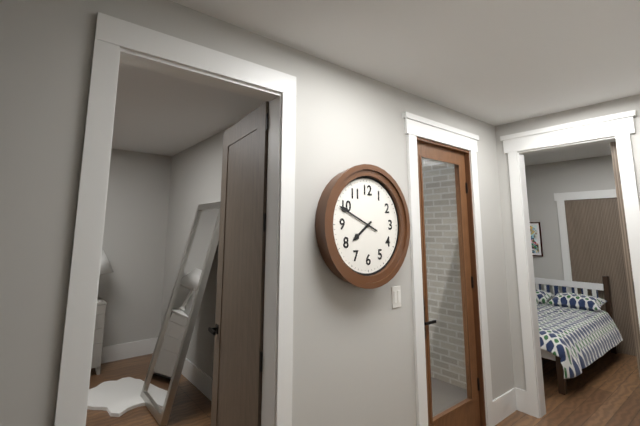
7:49
